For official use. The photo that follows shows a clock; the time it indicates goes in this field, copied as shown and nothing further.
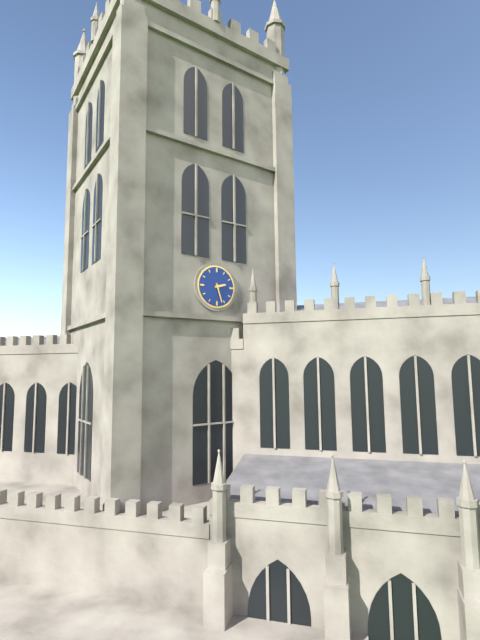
2:27
